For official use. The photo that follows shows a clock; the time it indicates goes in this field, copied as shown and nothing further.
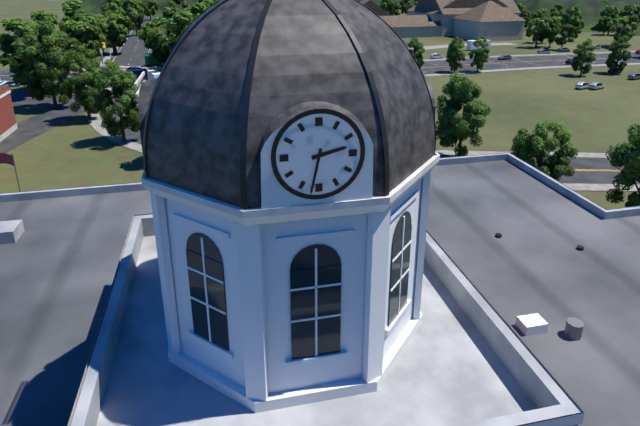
2:32
